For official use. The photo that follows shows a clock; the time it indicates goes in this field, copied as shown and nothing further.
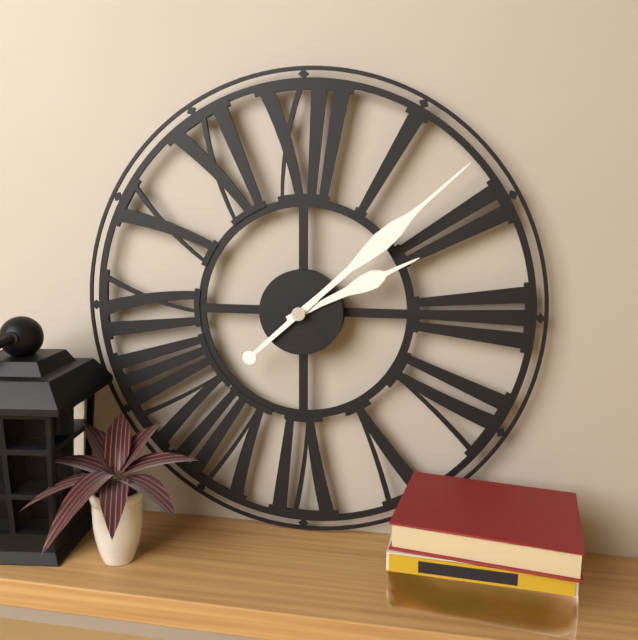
2:08
